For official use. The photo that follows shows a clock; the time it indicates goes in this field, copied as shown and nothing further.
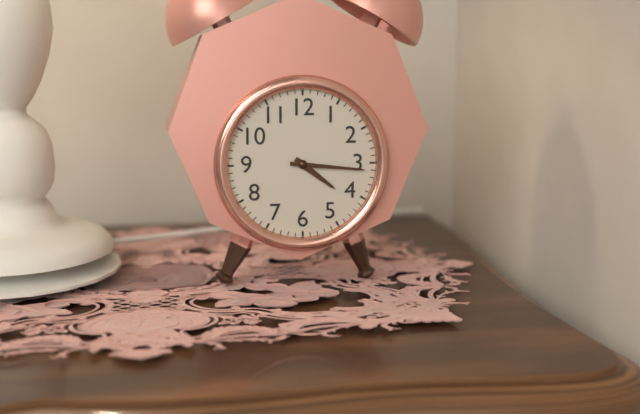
4:16
